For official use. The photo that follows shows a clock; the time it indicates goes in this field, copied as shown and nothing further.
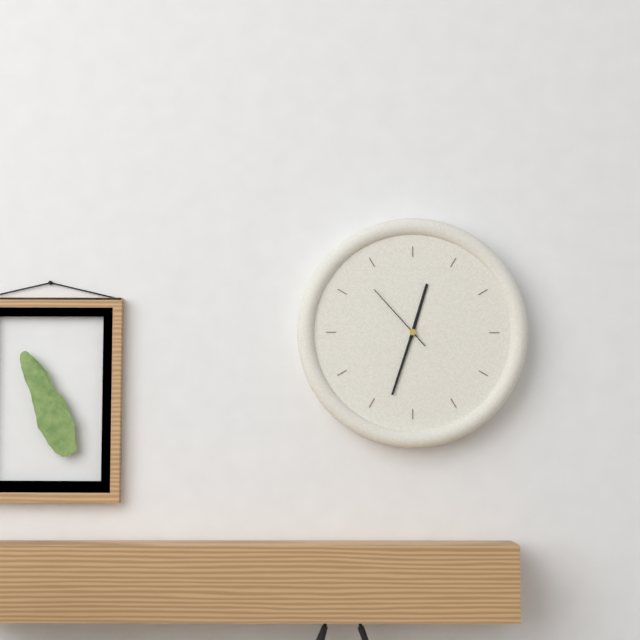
12:33:53
